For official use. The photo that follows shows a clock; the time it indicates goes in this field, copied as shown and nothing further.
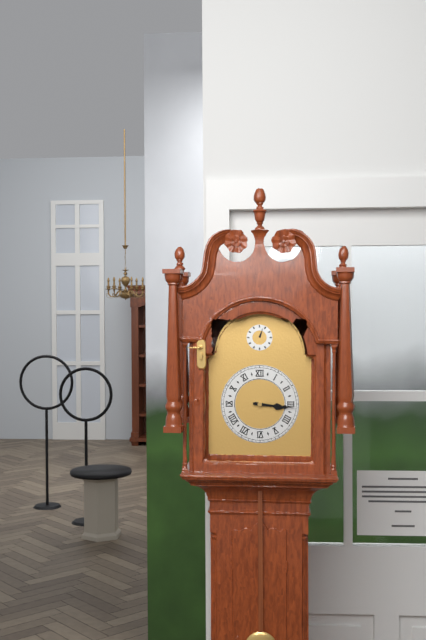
3:16
